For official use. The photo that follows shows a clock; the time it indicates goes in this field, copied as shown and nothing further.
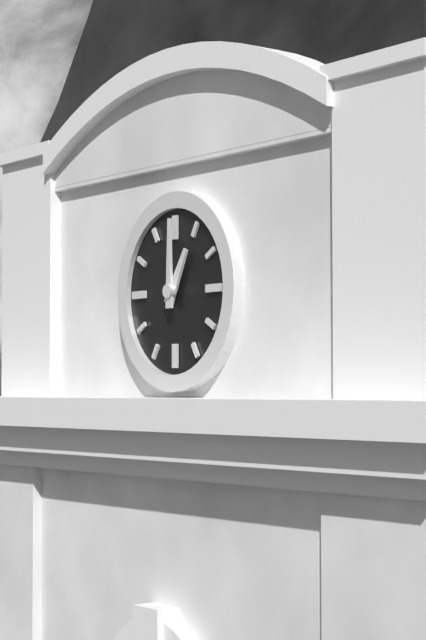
1:00
